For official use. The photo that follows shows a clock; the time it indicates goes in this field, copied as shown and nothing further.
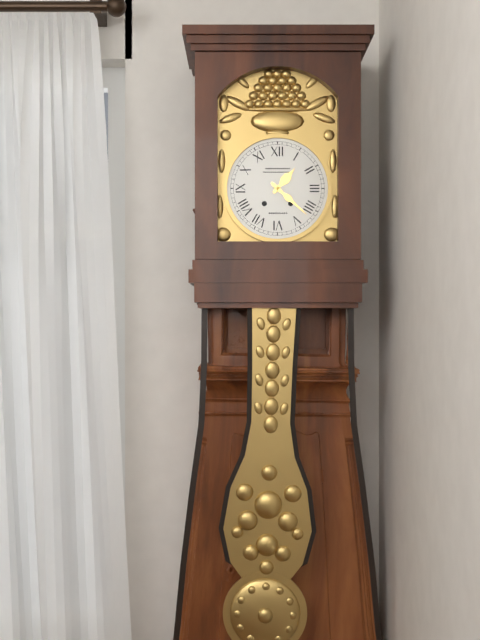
1:22
